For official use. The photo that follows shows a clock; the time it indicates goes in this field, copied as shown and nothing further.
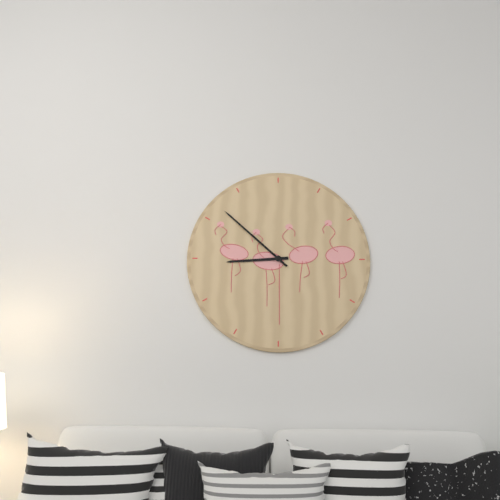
8:52
